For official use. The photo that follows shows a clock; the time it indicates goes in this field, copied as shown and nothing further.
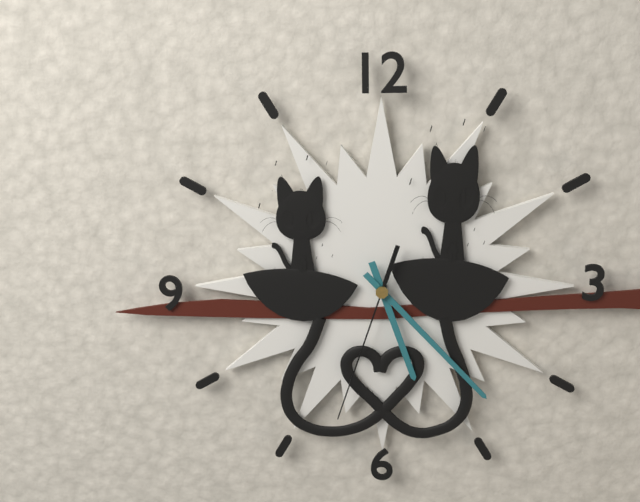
5:23:33
